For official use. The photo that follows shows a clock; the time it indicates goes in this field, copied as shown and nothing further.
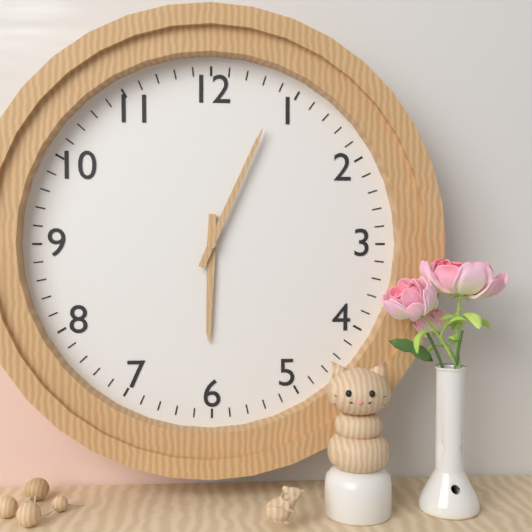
6:04
